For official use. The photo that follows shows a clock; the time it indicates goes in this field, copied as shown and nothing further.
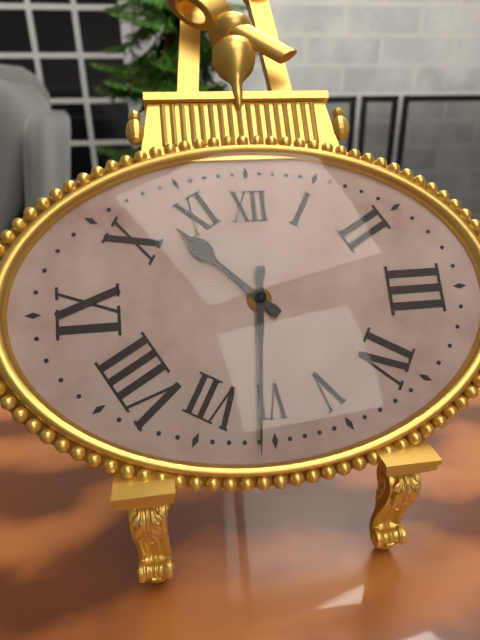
10:31
